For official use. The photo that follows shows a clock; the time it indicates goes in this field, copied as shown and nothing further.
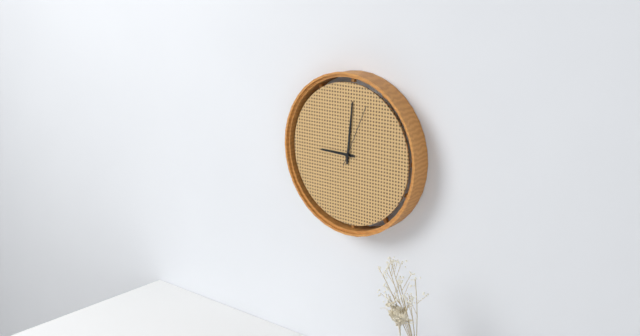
9:01:04
